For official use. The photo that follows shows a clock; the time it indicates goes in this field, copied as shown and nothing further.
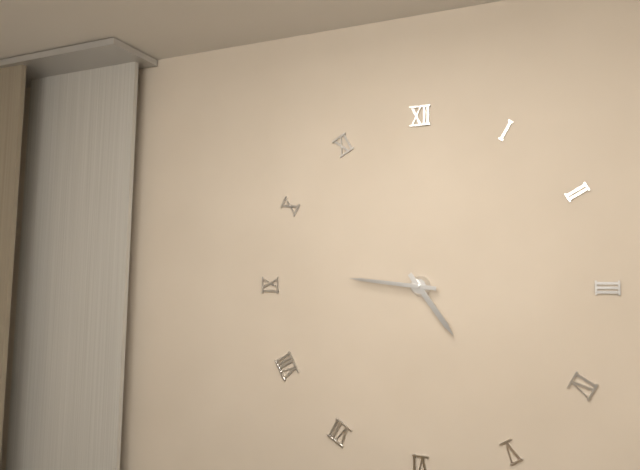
4:46
